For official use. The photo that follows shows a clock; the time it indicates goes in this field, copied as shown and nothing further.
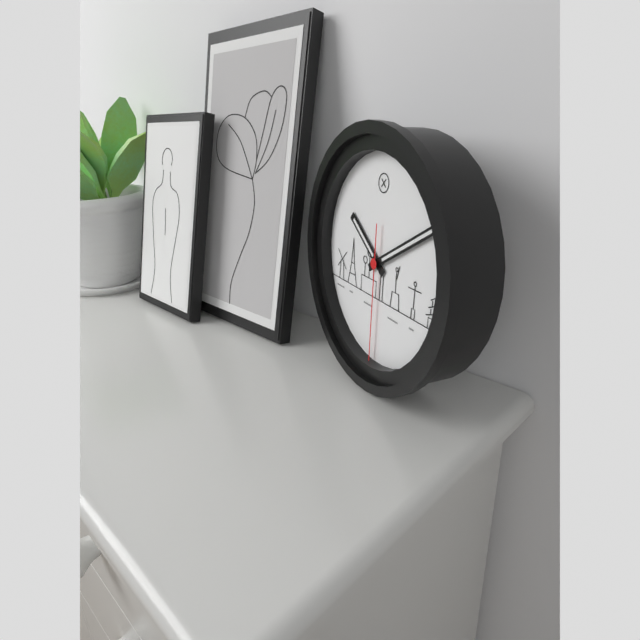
10:10:30
